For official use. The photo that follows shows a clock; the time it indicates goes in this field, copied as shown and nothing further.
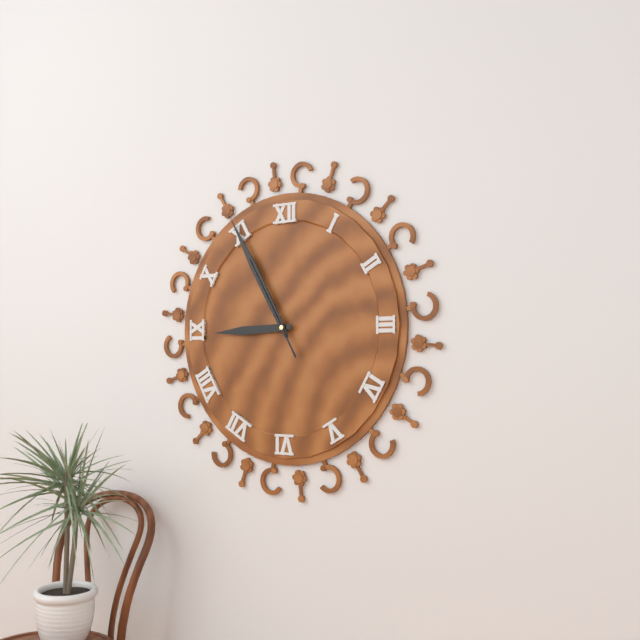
8:55:55
